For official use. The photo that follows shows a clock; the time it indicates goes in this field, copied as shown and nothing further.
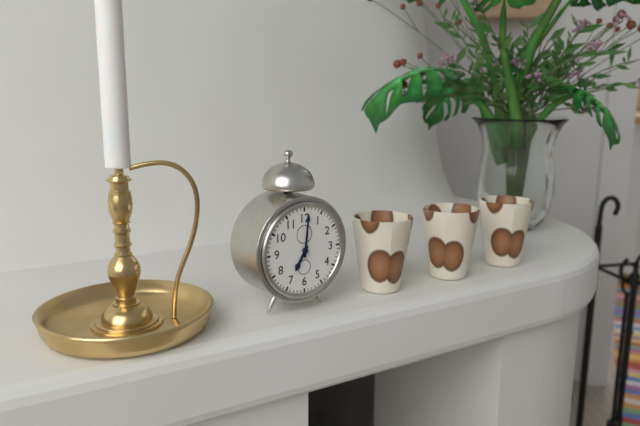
7:01
